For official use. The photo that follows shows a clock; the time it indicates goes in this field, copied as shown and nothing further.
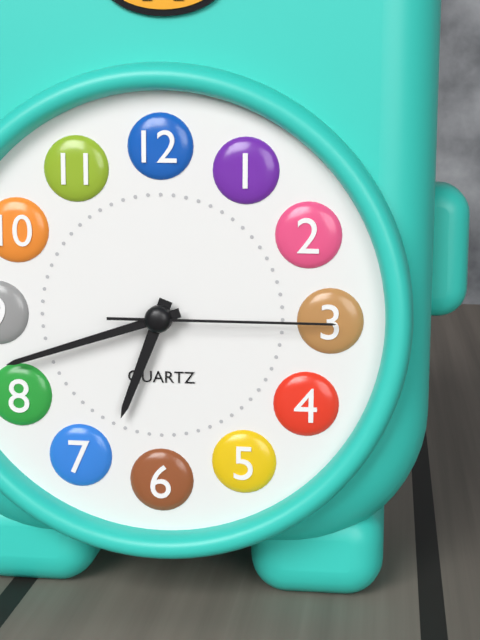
6:42:15
